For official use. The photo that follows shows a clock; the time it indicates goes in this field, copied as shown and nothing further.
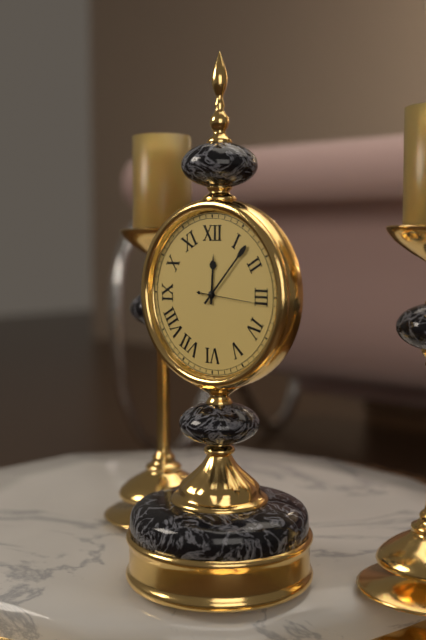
12:07:16
